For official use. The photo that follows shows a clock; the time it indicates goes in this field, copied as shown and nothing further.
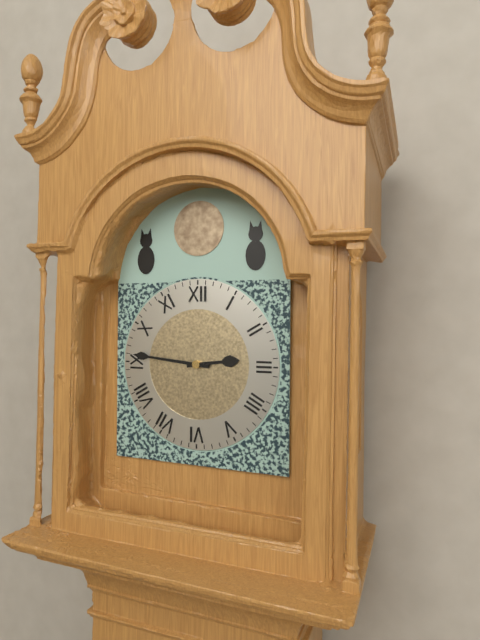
2:46
